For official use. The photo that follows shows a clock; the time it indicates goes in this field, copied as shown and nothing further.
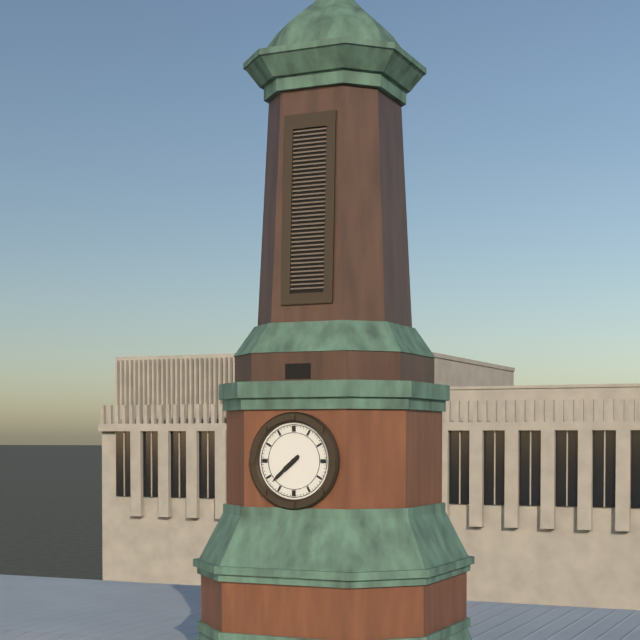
7:38
